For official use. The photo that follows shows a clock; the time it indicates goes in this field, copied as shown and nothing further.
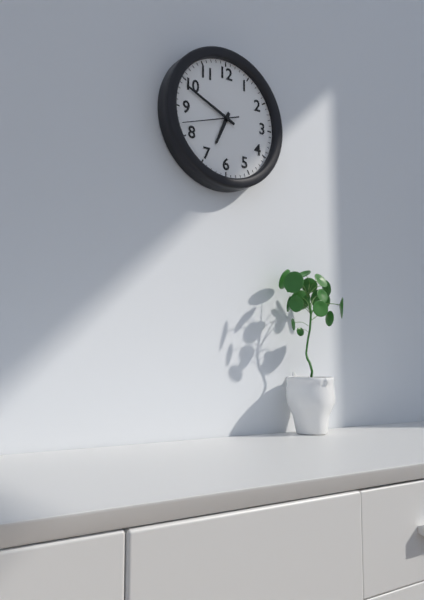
6:49
